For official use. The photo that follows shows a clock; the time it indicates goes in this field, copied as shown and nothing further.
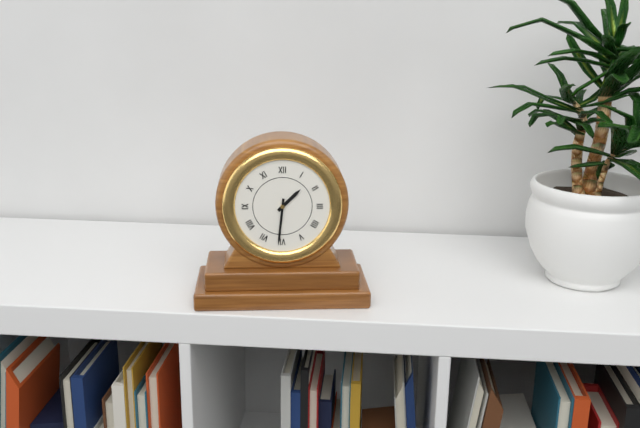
1:31
